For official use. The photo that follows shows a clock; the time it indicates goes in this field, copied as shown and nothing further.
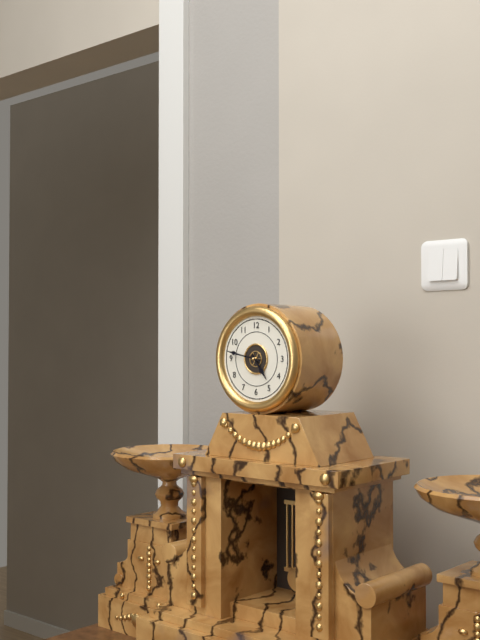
4:47
